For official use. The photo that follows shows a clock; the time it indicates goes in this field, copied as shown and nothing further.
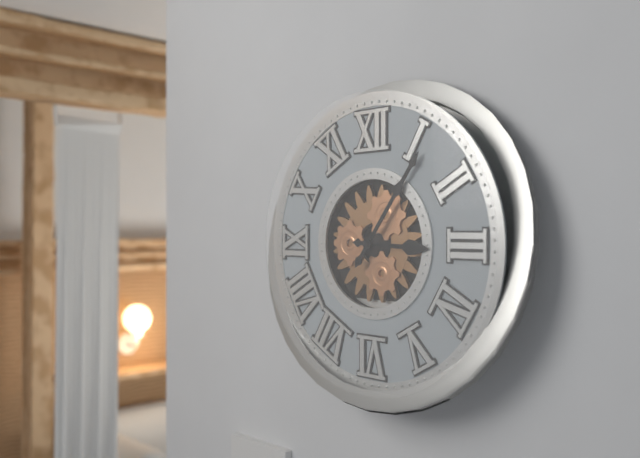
3:06
